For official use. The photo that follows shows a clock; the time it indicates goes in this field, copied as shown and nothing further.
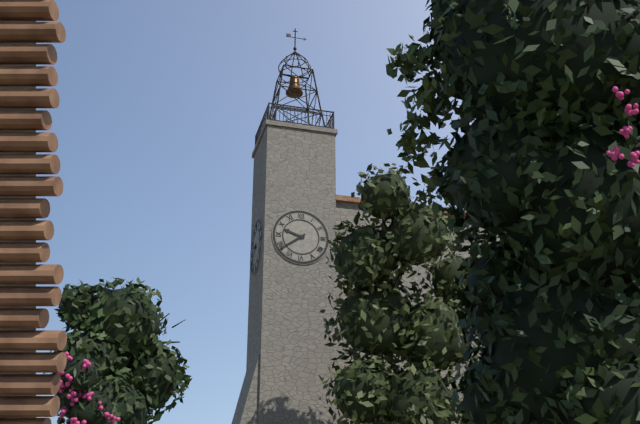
9:39
